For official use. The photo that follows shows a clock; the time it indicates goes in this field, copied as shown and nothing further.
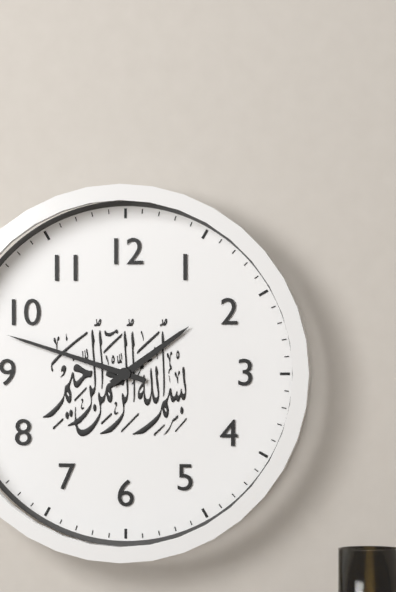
1:48
